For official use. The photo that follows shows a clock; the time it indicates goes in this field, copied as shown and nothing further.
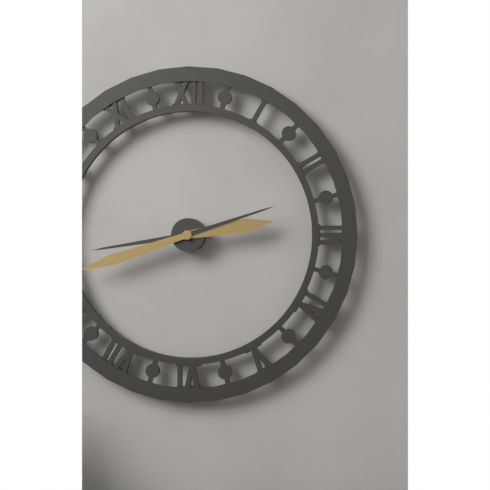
2:42
